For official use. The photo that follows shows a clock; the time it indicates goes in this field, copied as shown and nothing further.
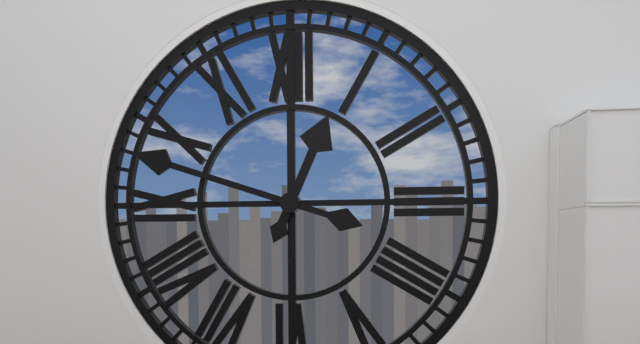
12:48
